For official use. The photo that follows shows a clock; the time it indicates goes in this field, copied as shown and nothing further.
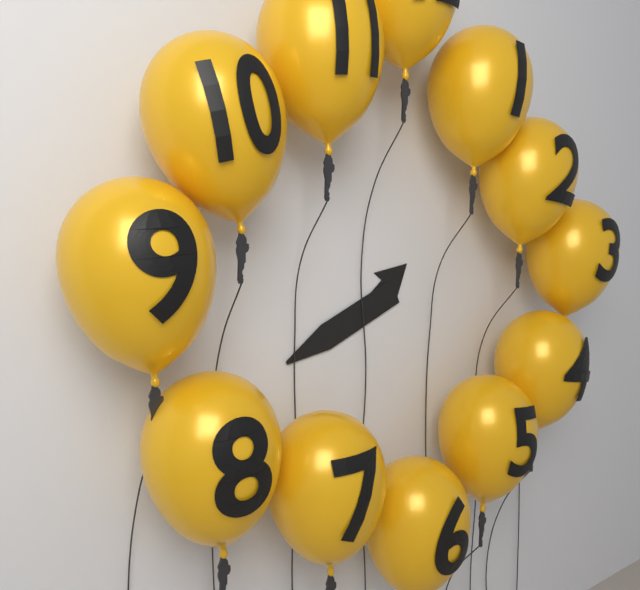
1:41
